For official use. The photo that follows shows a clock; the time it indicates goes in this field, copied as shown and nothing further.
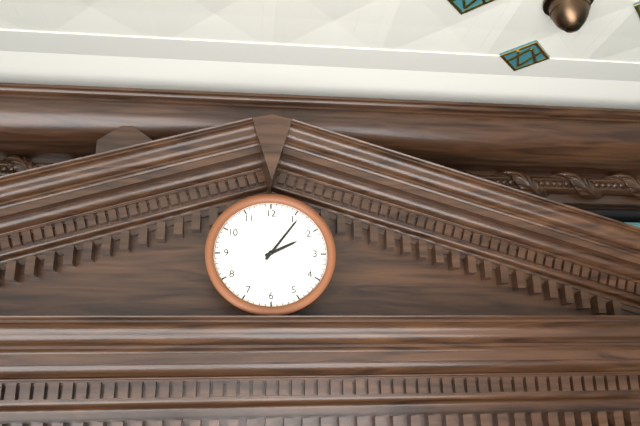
2:06
